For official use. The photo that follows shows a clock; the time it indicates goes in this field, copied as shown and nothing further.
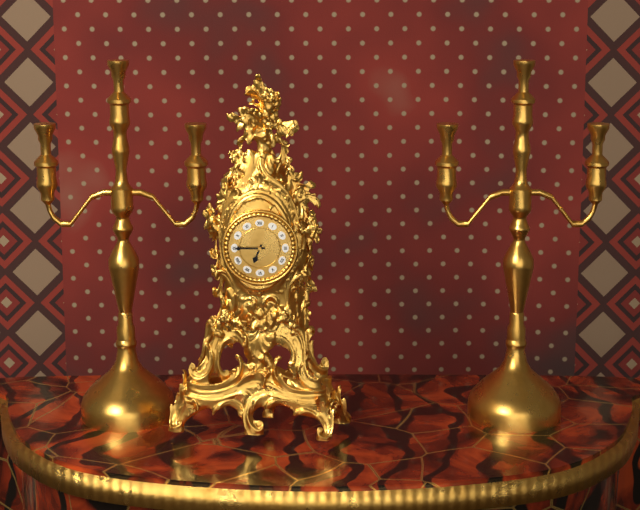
6:45
